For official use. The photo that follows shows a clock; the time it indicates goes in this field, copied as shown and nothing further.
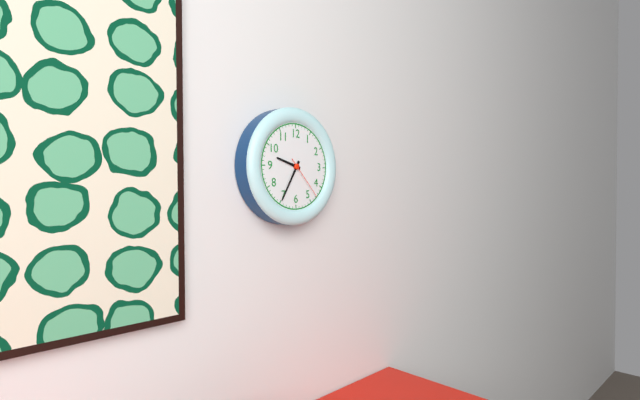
9:35:23
